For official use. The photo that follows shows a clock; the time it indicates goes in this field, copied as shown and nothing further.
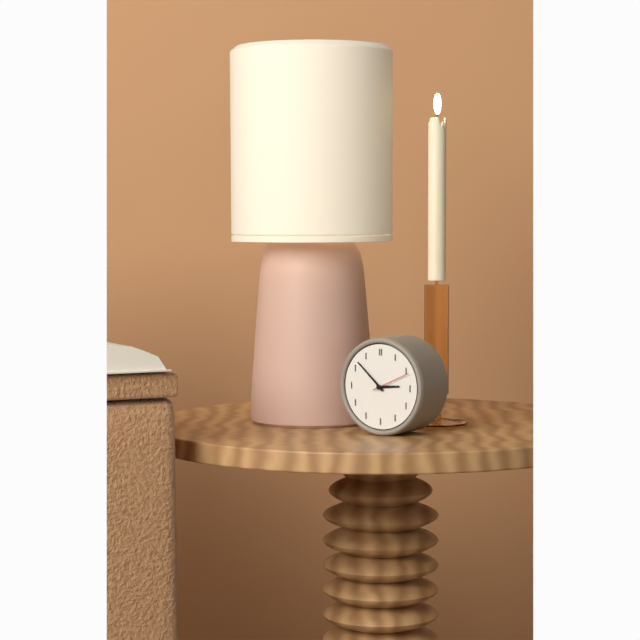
2:52
